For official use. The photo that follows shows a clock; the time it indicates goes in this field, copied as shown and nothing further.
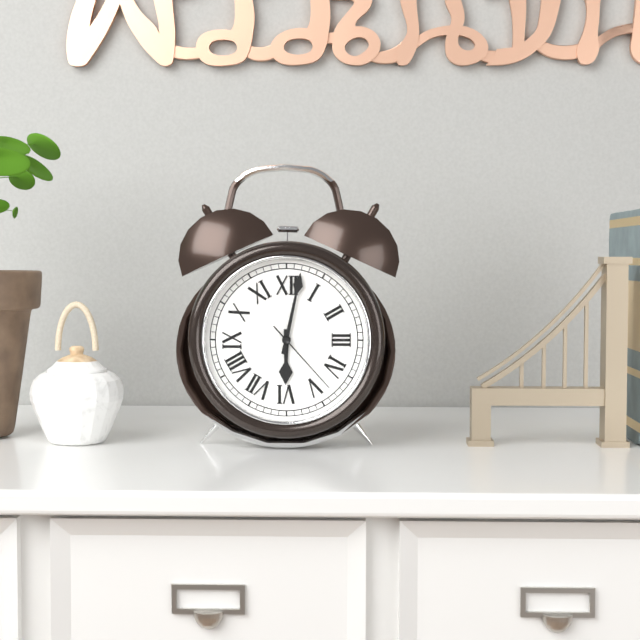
6:02:23
